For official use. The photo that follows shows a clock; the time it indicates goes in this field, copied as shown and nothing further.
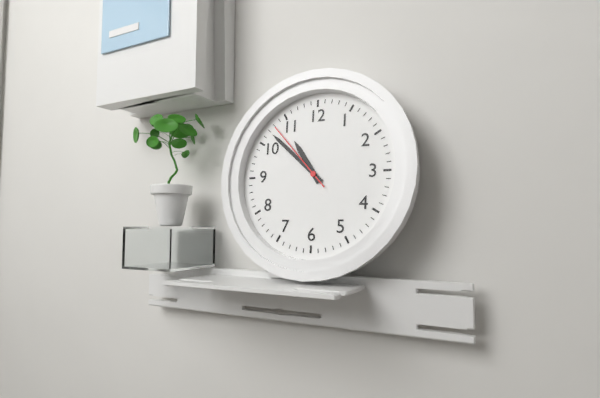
10:52:53
